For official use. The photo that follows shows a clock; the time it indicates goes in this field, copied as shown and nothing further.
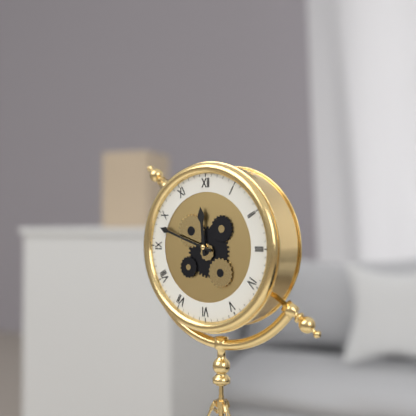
11:48
